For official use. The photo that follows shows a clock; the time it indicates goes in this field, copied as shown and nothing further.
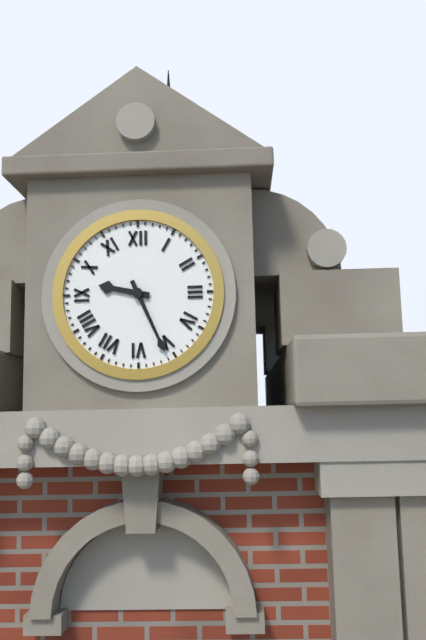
9:26
